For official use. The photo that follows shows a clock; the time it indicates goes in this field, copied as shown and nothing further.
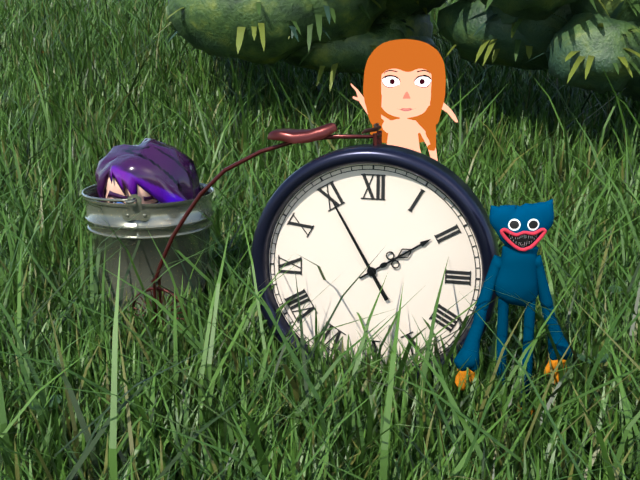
1:55
